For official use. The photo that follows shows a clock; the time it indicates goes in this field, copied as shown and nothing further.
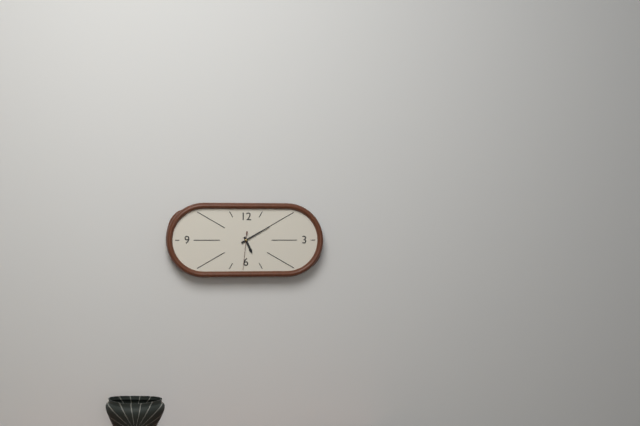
5:10
